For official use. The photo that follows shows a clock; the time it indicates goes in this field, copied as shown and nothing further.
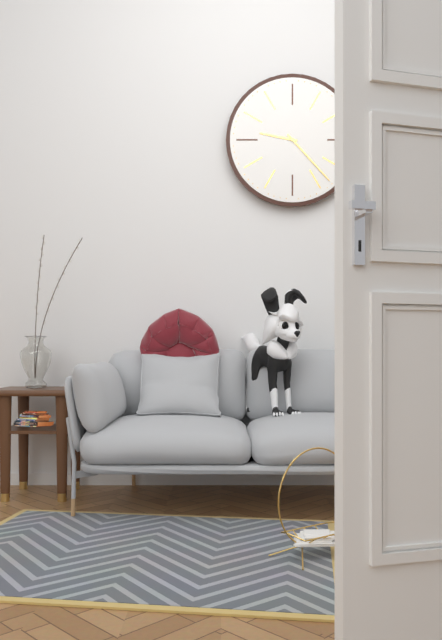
9:23
